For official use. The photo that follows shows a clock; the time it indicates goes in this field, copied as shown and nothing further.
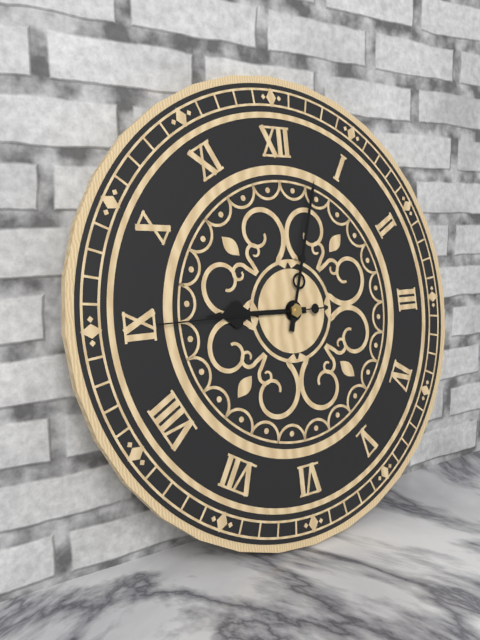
9:03:45
